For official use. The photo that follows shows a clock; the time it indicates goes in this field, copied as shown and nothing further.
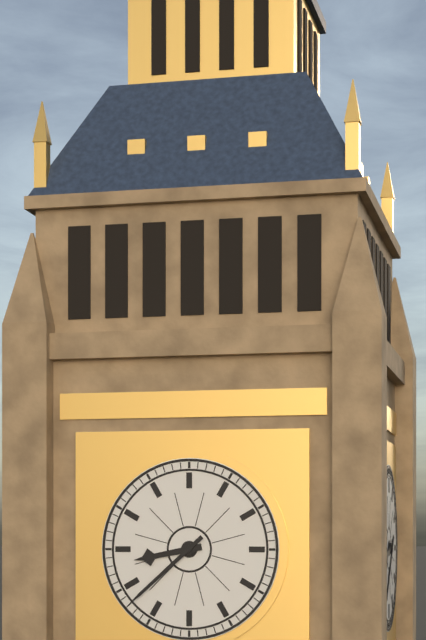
8:38
